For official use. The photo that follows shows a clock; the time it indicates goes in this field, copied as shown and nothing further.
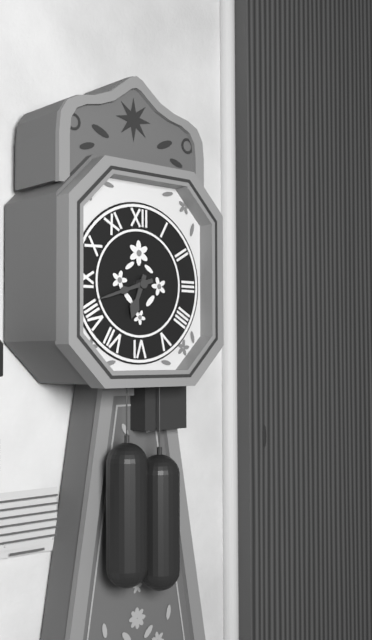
6:42
